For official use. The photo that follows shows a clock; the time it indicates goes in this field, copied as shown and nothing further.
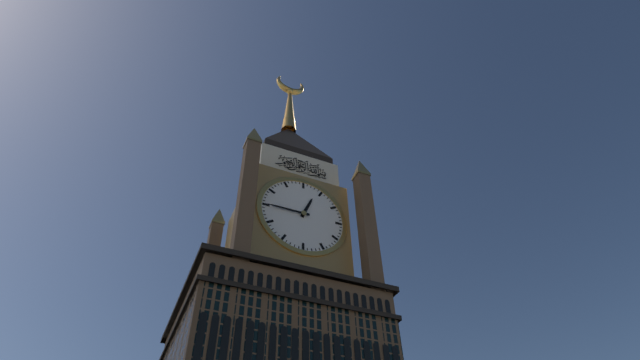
12:45
